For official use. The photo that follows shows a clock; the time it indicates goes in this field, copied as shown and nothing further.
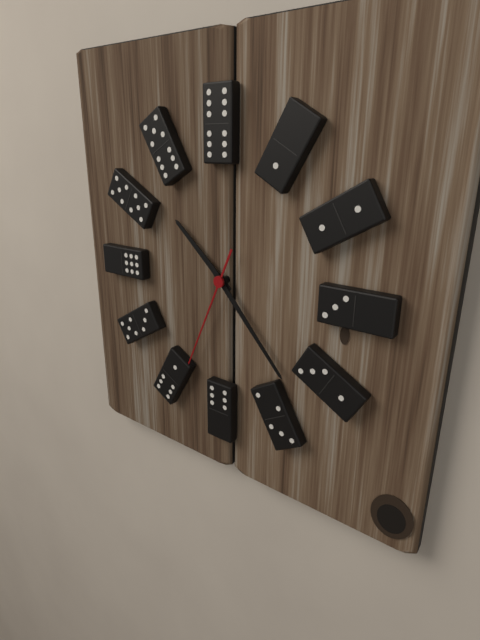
10:23:34
